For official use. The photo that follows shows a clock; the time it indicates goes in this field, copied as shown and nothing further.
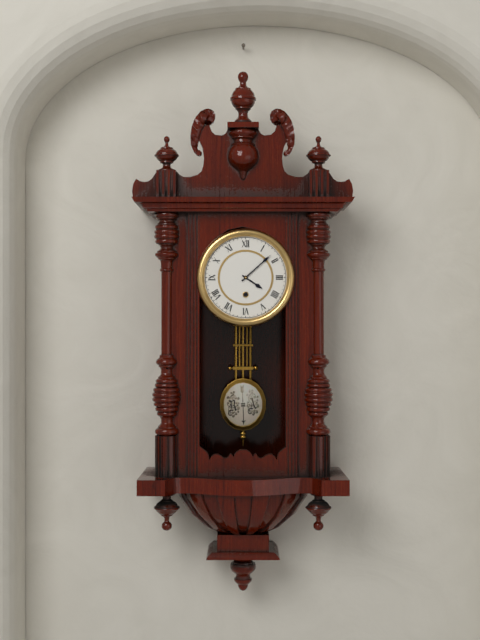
4:08
